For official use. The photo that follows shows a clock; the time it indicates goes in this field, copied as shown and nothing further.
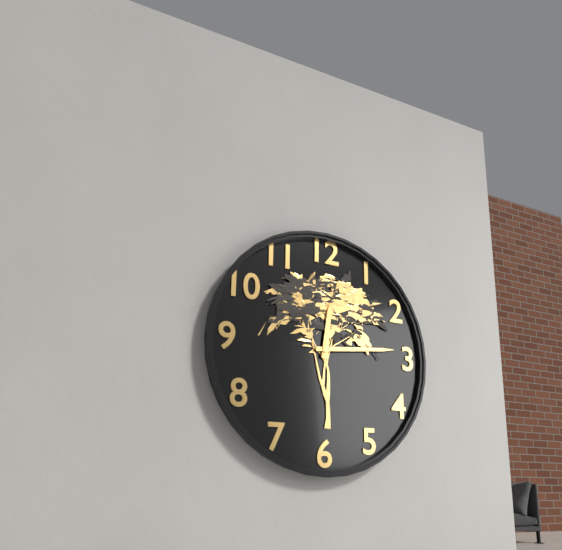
12:14
